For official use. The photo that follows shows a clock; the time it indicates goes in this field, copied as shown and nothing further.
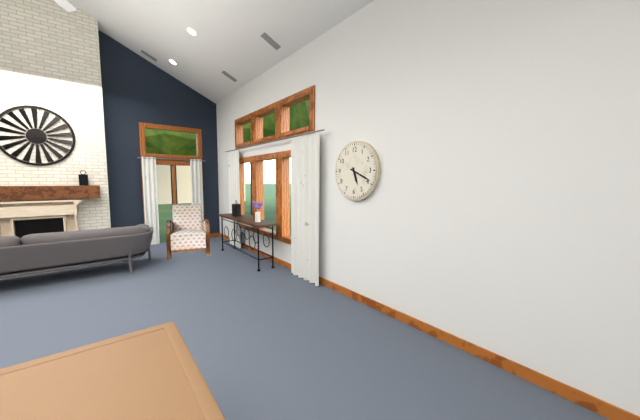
5:19
